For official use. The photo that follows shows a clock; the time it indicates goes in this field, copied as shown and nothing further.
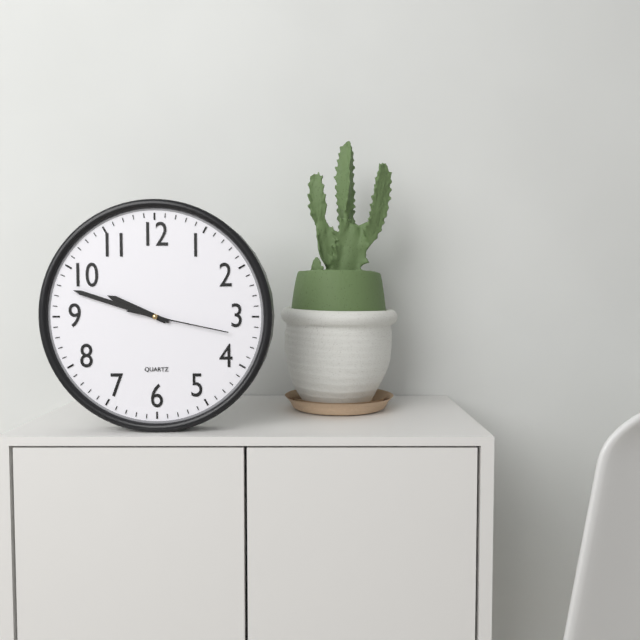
9:48:17
